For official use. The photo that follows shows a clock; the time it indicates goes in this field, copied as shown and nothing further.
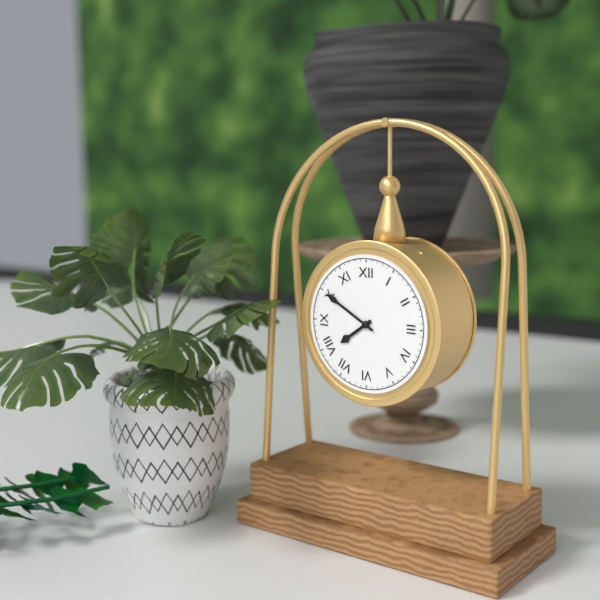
7:50
